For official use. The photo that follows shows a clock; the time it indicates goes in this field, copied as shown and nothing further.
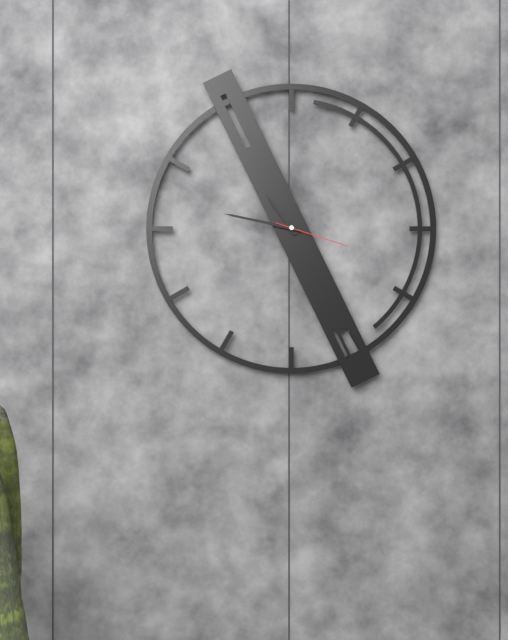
10:47:18
